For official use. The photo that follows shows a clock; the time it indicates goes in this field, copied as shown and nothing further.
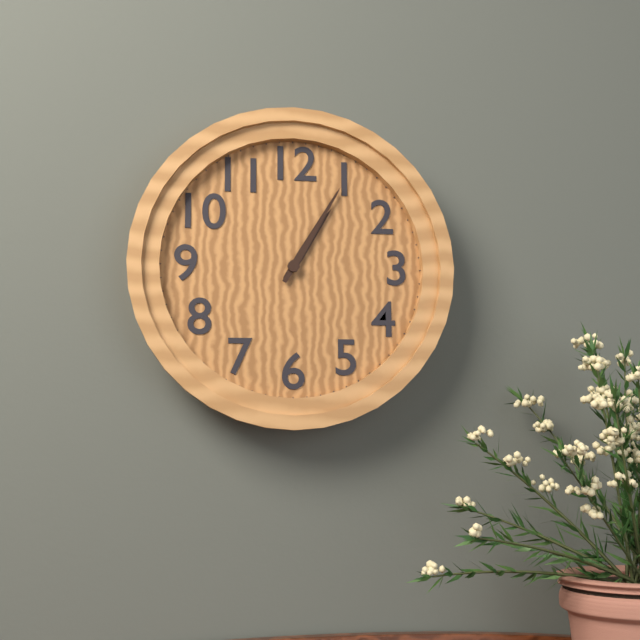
1:05
